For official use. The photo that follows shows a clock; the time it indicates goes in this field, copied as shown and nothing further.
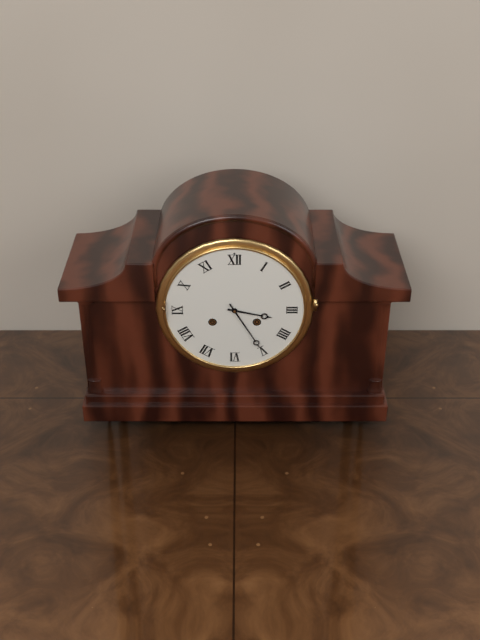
3:25
